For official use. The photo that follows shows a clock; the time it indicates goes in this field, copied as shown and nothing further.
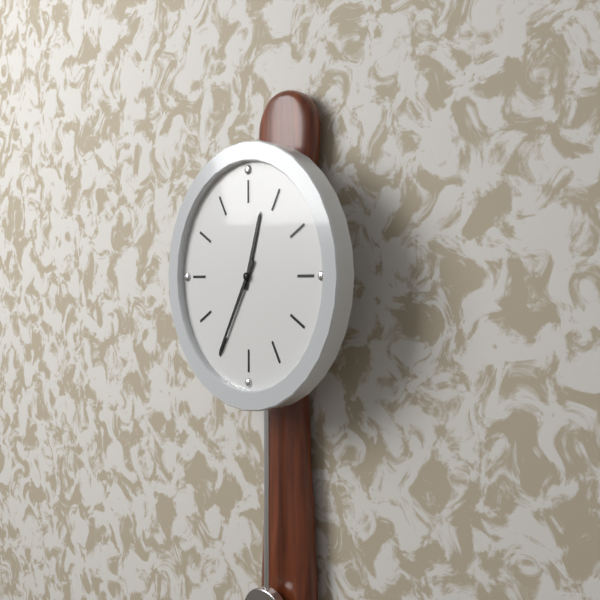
12:35
